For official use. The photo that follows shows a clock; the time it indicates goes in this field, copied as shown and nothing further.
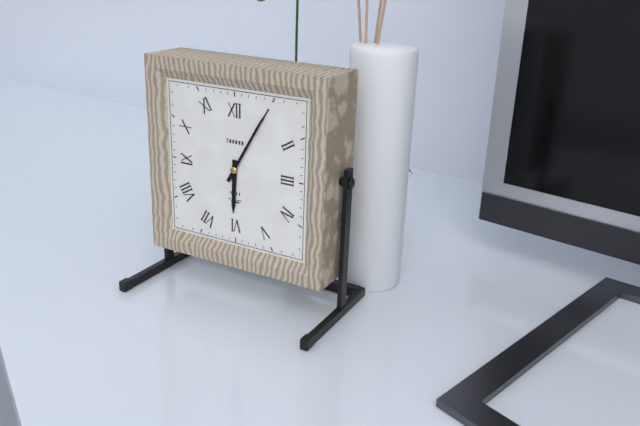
6:05
